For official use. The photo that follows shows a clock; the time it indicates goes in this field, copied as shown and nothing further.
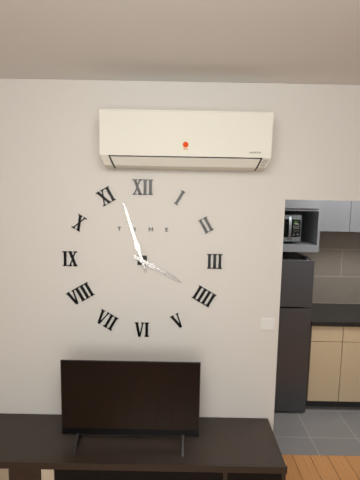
3:57
